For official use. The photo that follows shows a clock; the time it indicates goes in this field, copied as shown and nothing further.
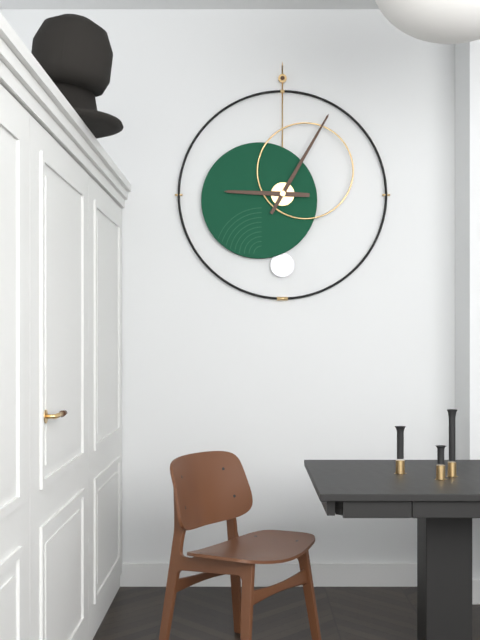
9:05
